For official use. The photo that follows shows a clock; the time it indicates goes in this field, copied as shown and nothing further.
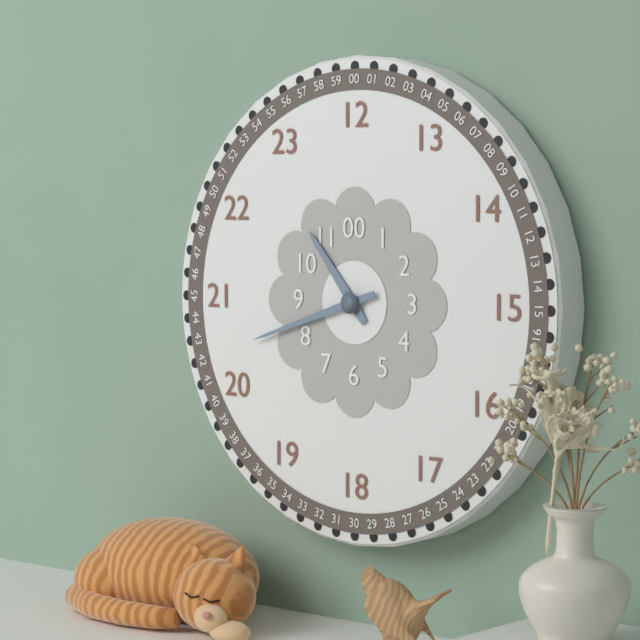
10:42
